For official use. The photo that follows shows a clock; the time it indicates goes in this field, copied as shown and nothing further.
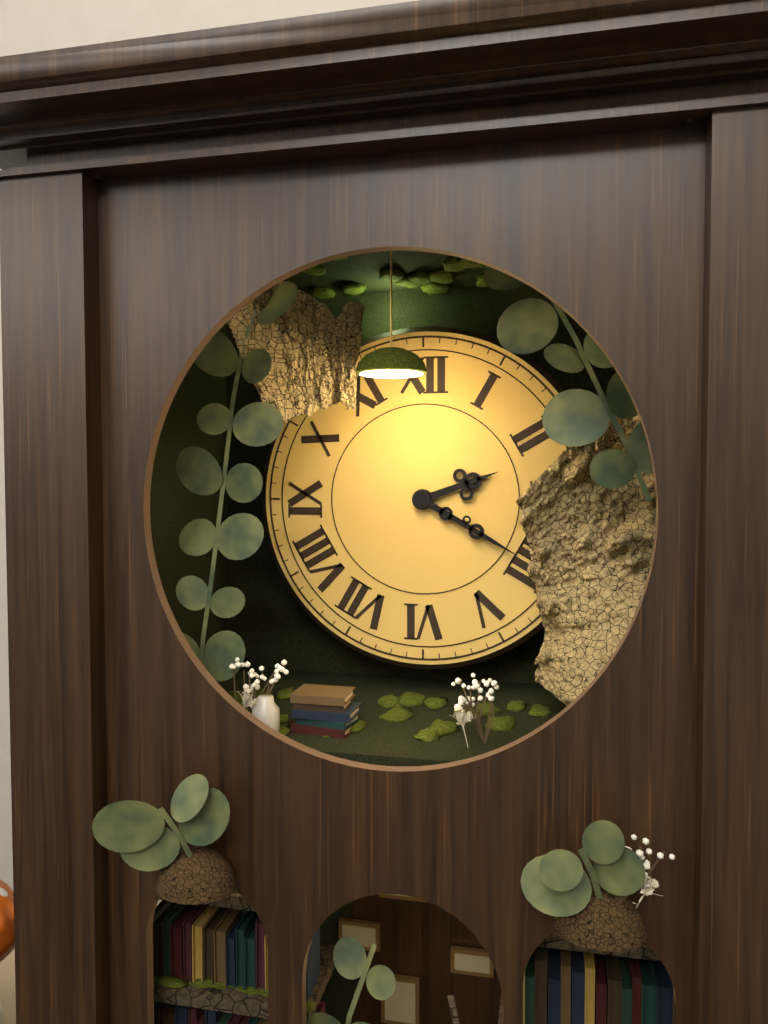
2:20
